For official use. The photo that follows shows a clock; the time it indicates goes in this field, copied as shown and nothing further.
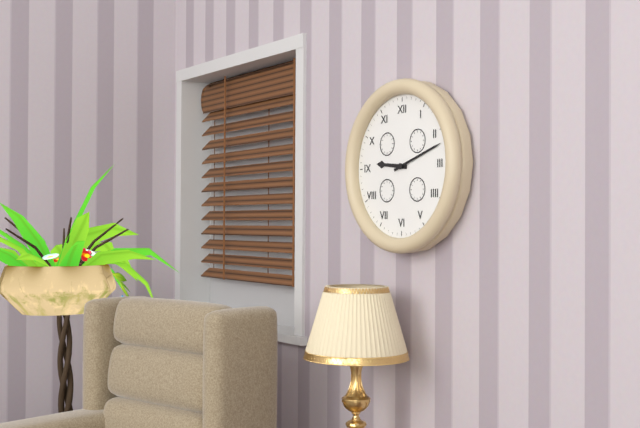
9:12
